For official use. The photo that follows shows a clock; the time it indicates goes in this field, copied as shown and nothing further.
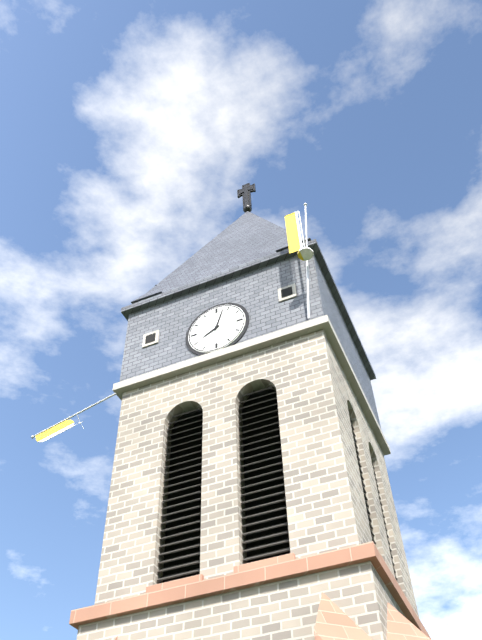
8:03
